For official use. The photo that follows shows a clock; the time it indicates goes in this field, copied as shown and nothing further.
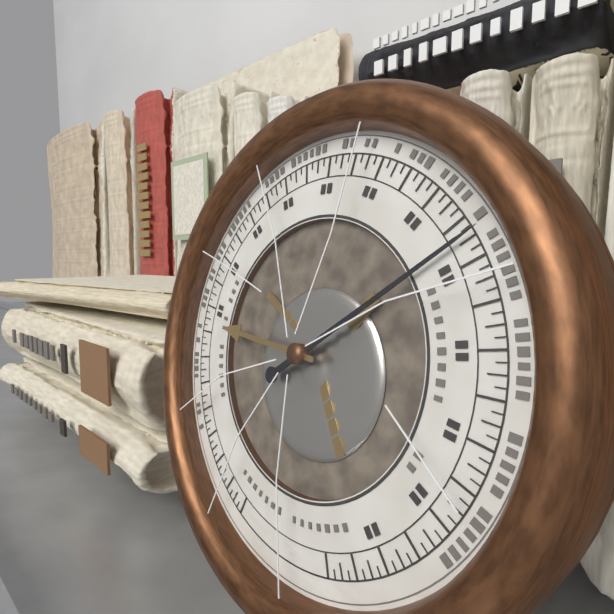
9:09
